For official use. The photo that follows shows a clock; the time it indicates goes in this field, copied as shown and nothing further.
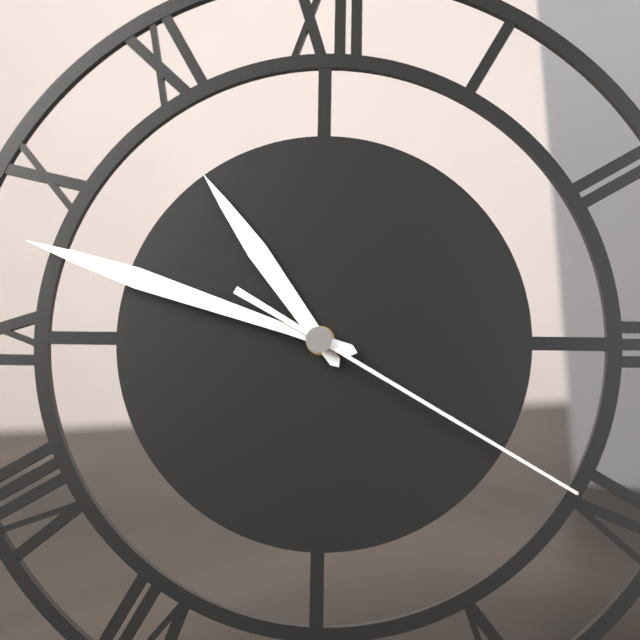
10:48:20
